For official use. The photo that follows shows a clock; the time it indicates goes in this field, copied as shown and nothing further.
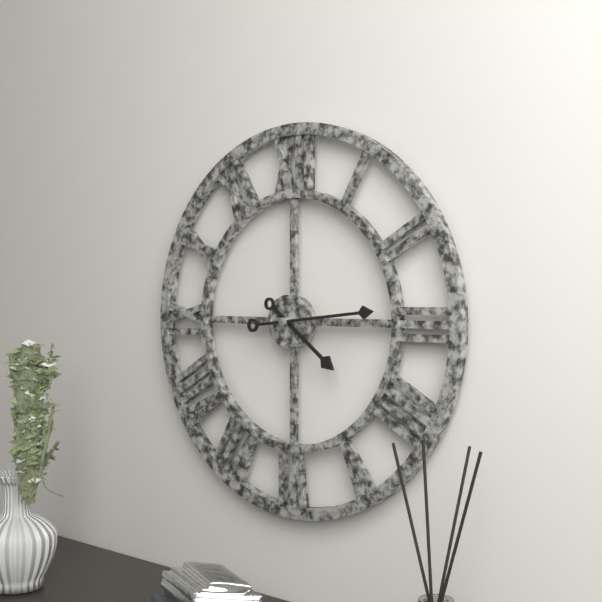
4:14
